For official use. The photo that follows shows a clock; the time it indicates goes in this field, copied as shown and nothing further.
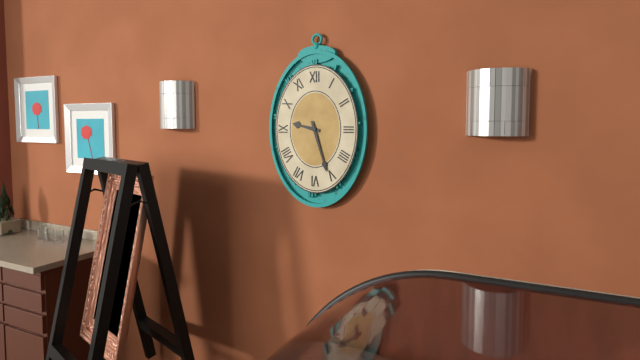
9:27
